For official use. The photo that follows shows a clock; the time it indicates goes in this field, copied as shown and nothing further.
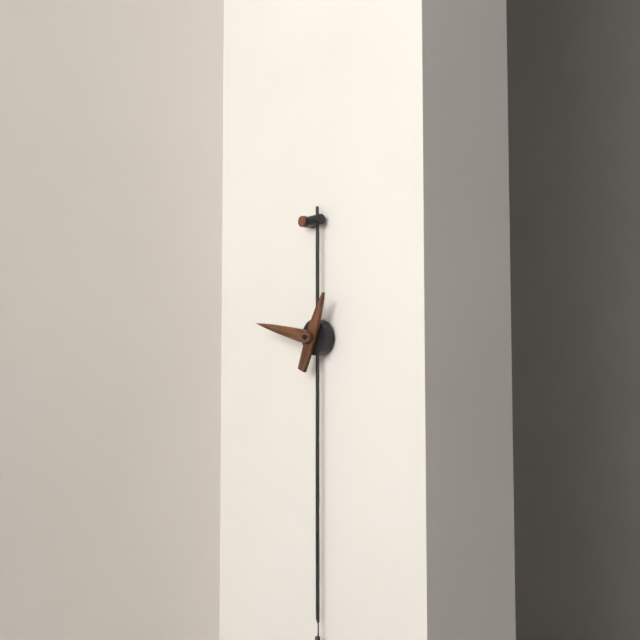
12:47
